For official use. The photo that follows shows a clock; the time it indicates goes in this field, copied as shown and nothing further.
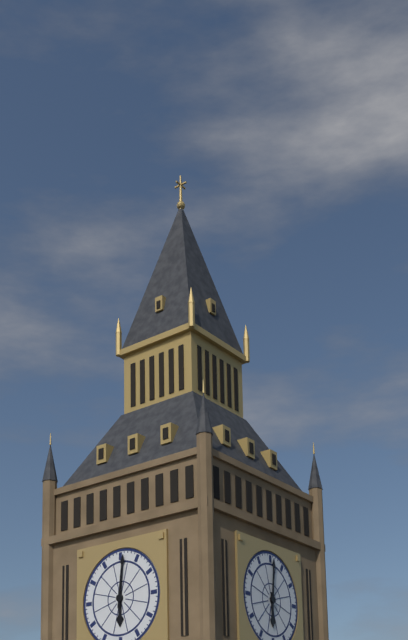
6:01
